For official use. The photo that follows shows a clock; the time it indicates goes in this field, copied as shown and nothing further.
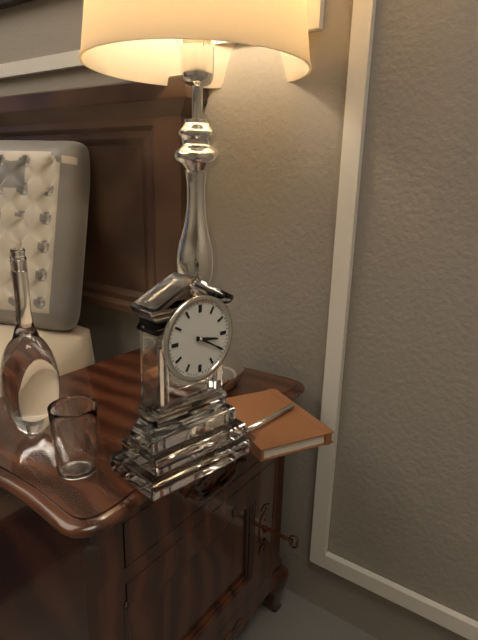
3:20
